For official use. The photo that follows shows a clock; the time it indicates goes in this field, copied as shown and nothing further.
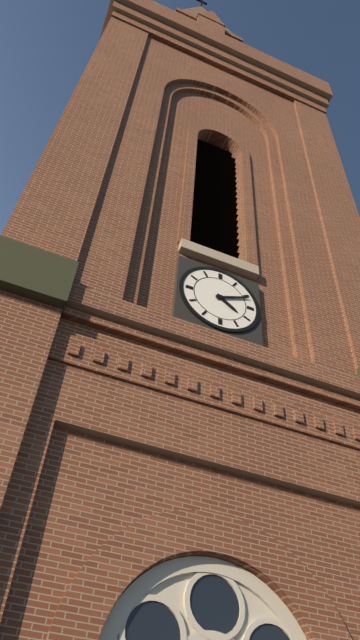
4:11
